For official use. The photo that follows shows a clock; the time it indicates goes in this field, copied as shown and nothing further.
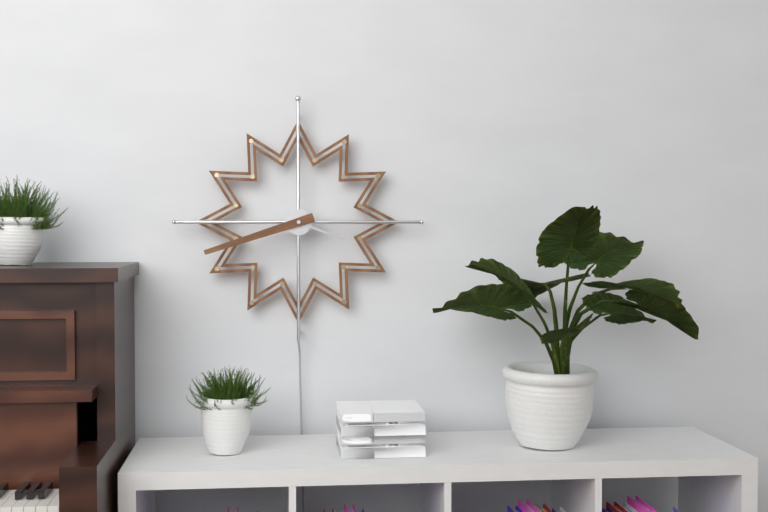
3:42
